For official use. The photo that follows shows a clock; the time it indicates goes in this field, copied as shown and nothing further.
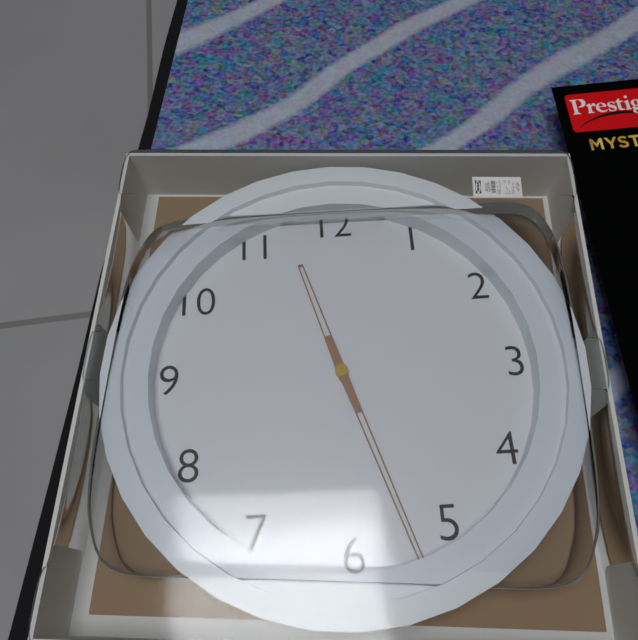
11:27
